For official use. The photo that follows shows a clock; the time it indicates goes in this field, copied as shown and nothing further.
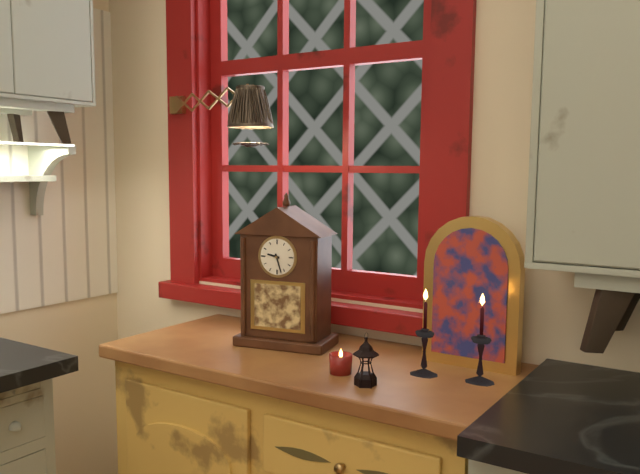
9:27
